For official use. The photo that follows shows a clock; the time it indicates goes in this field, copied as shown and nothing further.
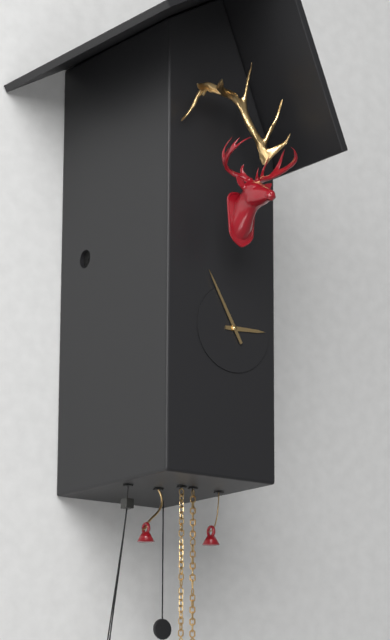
2:55
